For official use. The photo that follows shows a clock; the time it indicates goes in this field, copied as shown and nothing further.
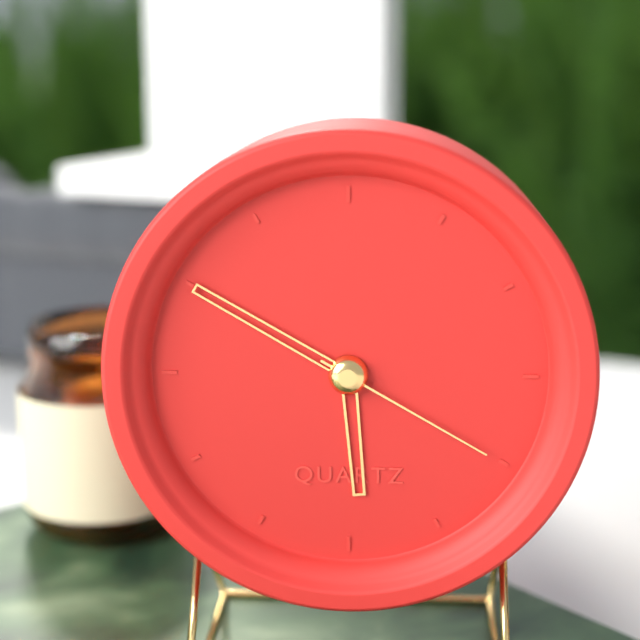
5:50:20
